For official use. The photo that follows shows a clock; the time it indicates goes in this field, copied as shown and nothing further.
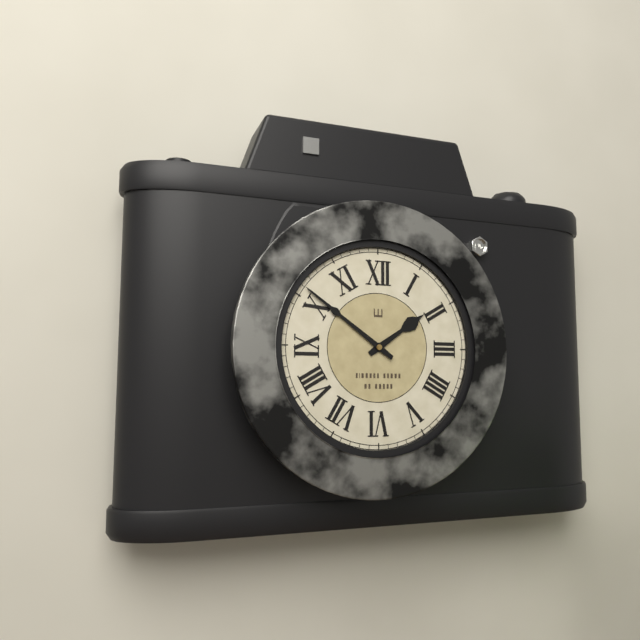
1:51
